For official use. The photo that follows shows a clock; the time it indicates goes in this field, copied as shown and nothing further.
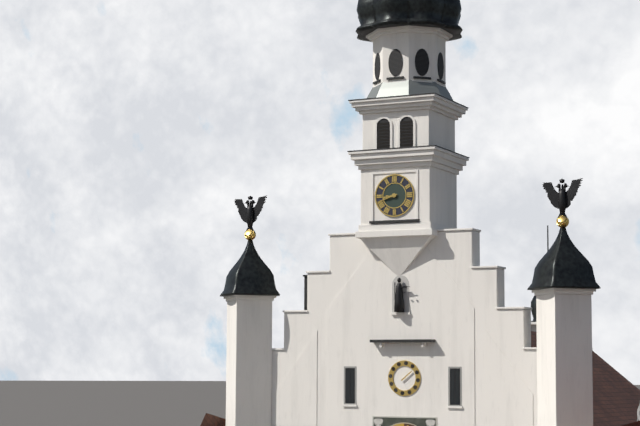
8:42
